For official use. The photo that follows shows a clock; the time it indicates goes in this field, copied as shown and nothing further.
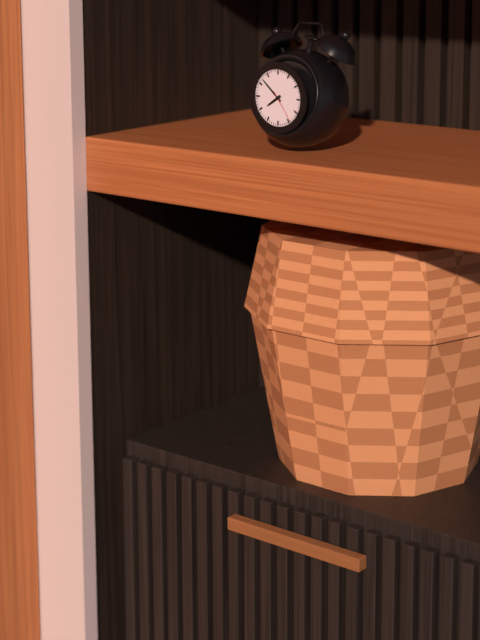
7:52
